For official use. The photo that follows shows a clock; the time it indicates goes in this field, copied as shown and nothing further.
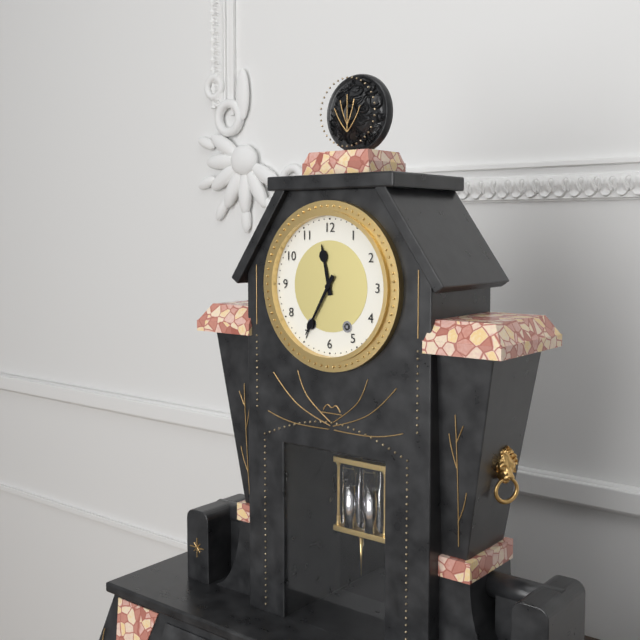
11:35
